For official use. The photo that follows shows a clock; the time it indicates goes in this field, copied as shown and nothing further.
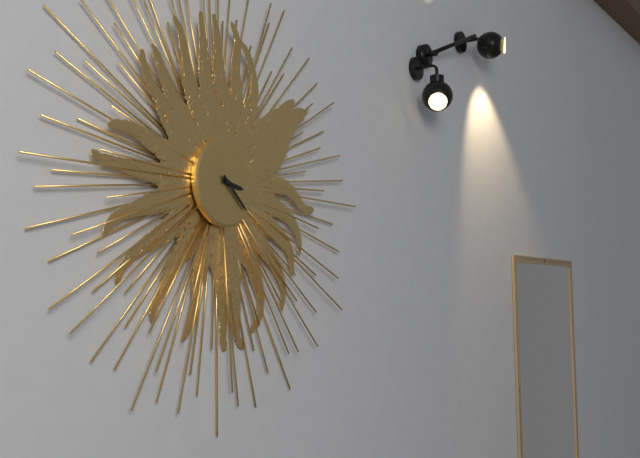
3:22
